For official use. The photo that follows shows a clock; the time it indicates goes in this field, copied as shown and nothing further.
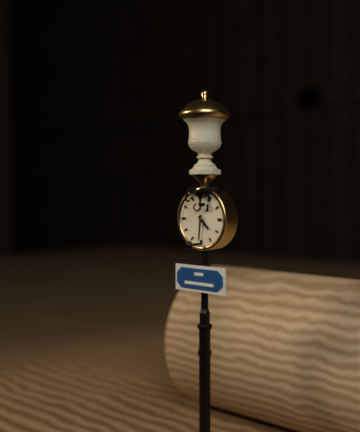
4:31
